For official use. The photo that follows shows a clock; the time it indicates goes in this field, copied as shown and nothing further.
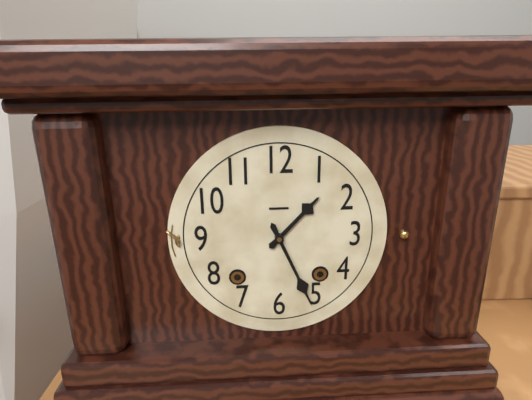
1:26
